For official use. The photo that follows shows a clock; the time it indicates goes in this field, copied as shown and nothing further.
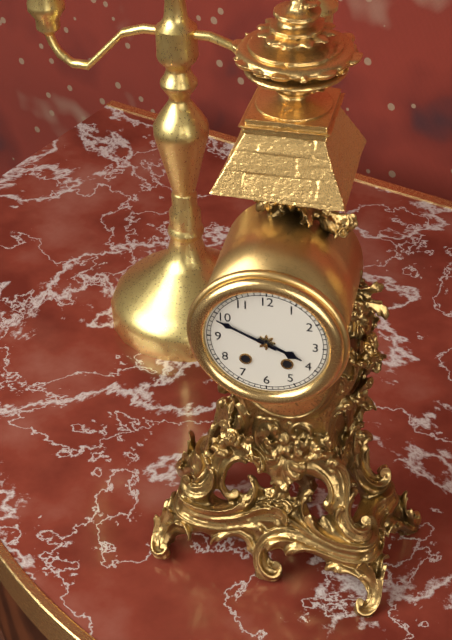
3:49
